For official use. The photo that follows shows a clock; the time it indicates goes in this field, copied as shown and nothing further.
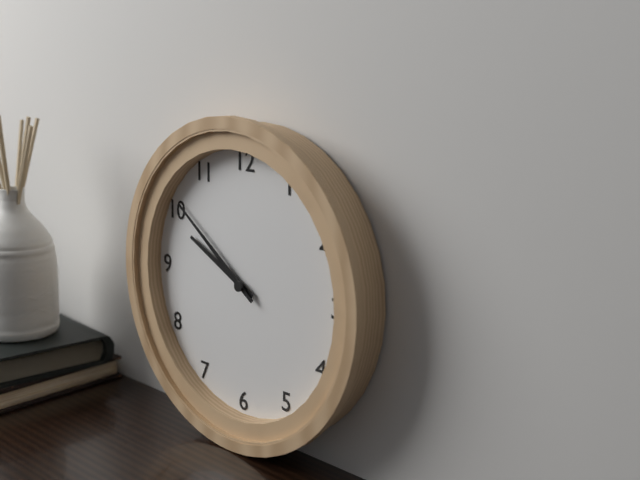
9:51
